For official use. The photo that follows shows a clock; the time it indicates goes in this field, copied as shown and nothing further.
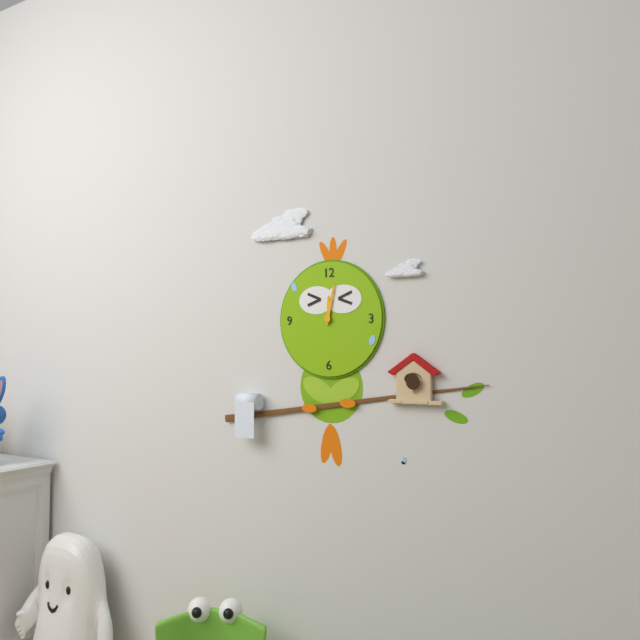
12:02
